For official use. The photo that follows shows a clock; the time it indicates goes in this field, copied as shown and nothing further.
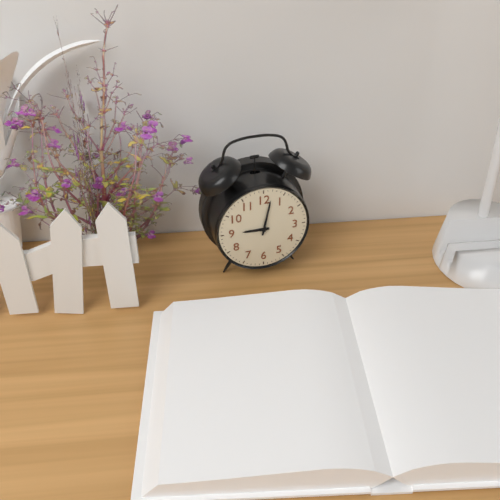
9:02
